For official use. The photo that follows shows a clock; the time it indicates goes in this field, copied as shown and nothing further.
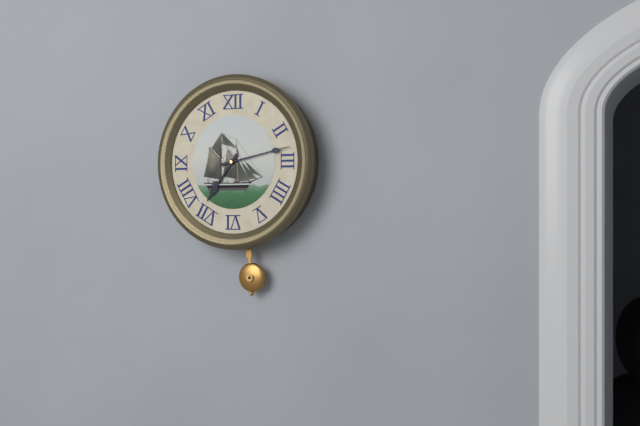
7:13
